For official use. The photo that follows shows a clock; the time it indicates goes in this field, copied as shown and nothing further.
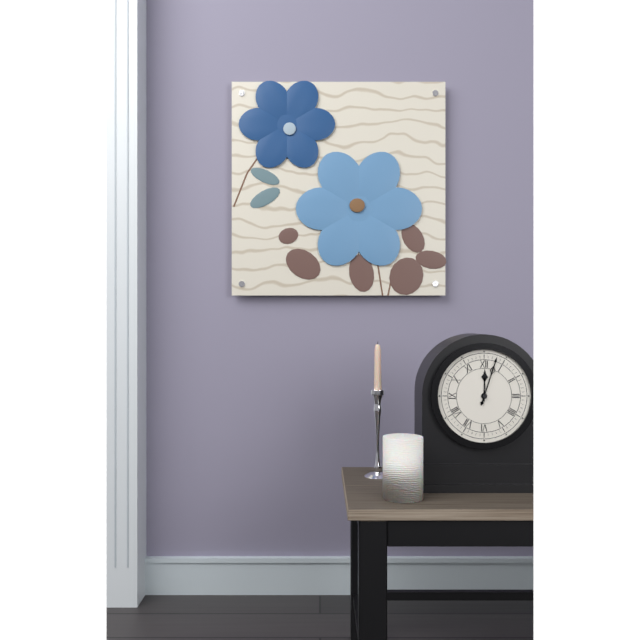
12:03
